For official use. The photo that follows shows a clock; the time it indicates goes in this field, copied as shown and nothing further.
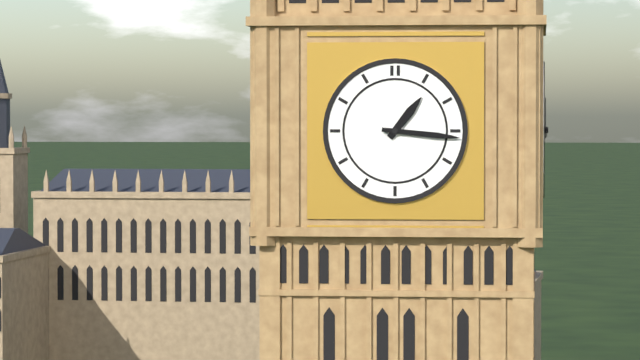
1:16
